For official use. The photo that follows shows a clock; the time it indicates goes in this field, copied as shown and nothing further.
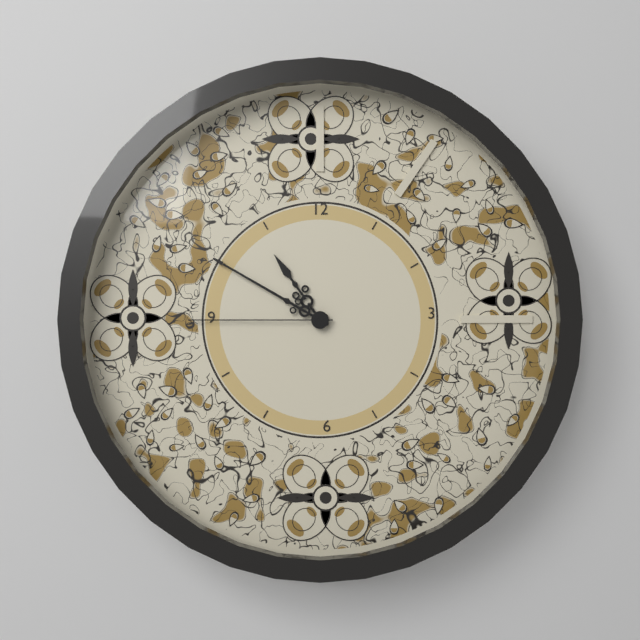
10:50:45
